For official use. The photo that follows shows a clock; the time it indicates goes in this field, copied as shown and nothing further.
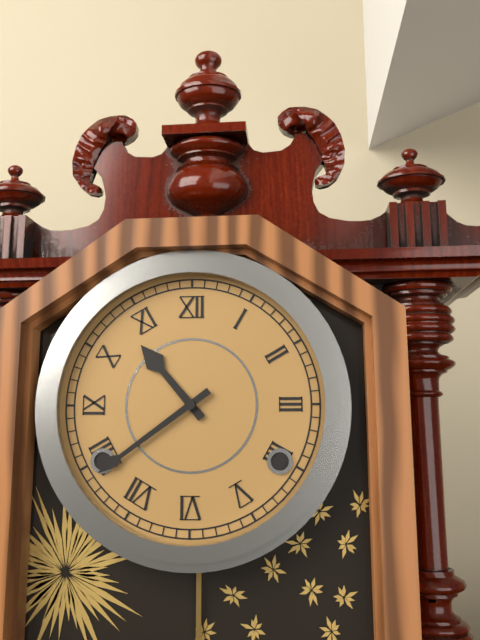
10:39
